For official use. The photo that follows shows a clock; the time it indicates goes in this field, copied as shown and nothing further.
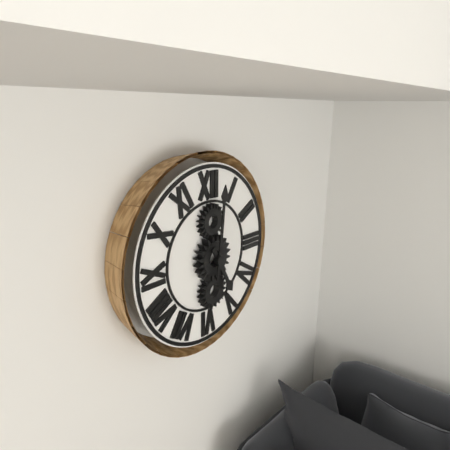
5:01
